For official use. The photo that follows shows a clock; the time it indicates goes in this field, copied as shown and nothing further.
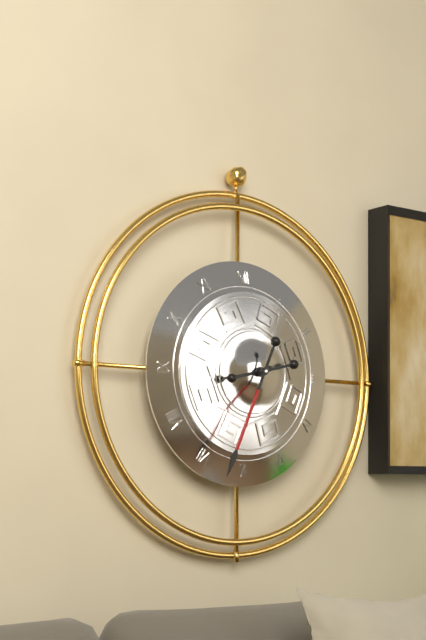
2:34
